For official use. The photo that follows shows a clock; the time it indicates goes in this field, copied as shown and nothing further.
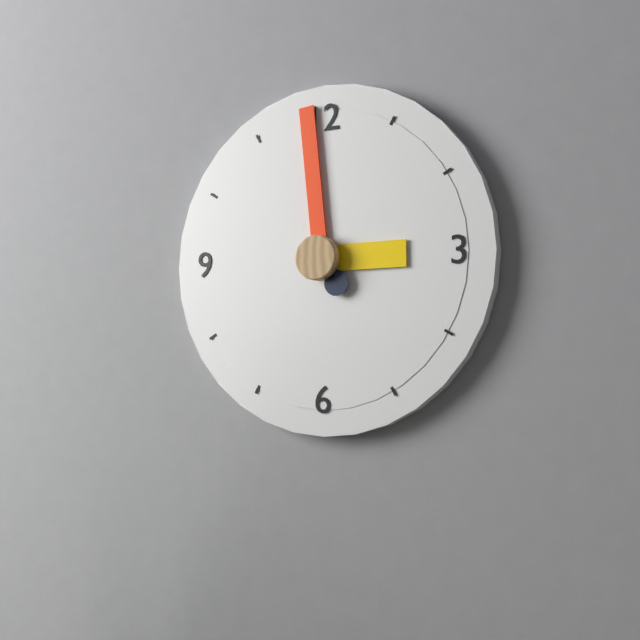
2:59:24
